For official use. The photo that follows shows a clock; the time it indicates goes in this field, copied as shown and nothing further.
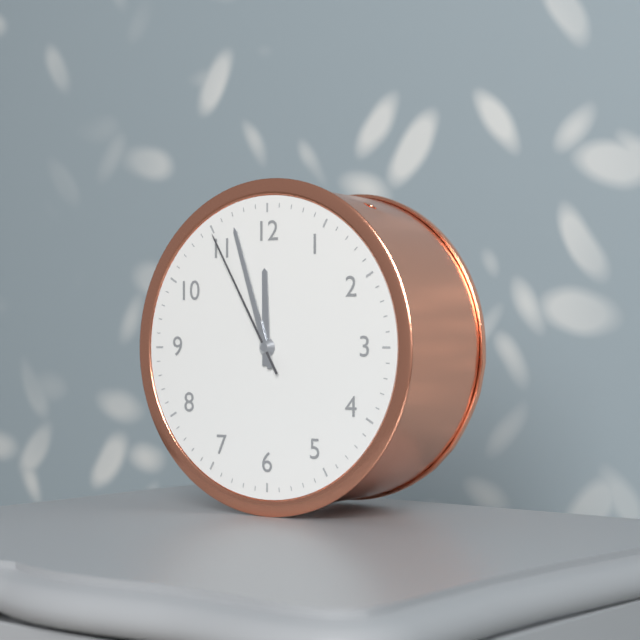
11:57:55
